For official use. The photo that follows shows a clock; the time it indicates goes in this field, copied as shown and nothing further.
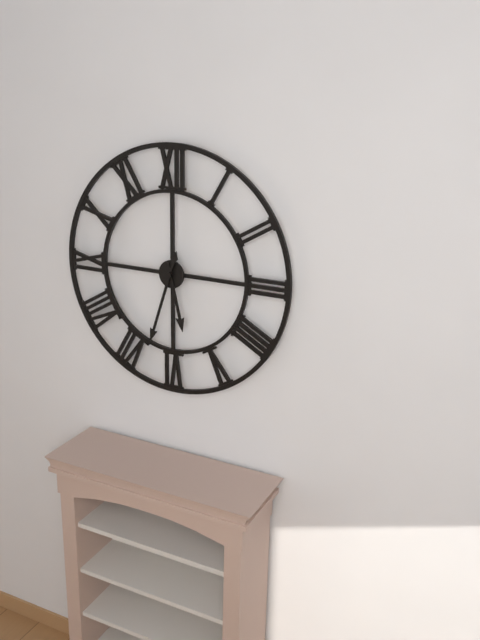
5:33
